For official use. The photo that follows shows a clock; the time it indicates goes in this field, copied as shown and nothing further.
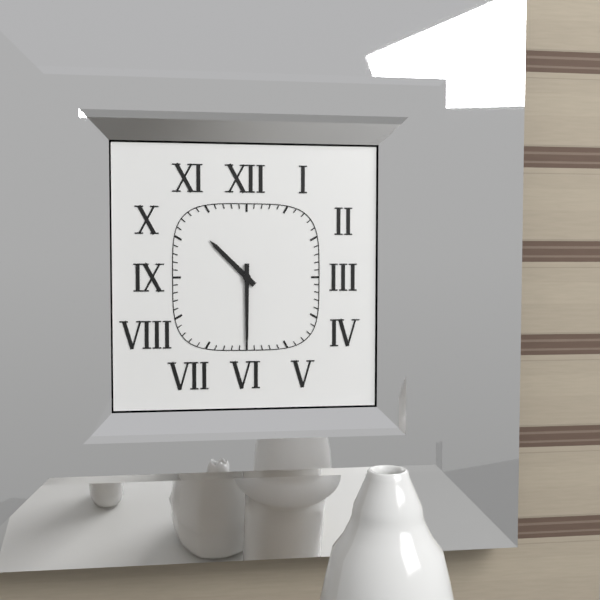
10:30
